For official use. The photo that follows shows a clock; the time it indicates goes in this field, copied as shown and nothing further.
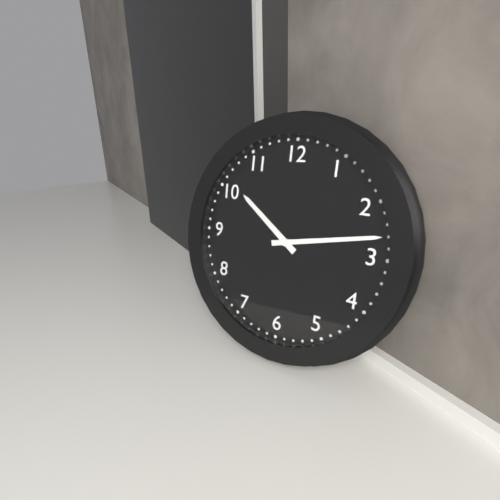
10:13
